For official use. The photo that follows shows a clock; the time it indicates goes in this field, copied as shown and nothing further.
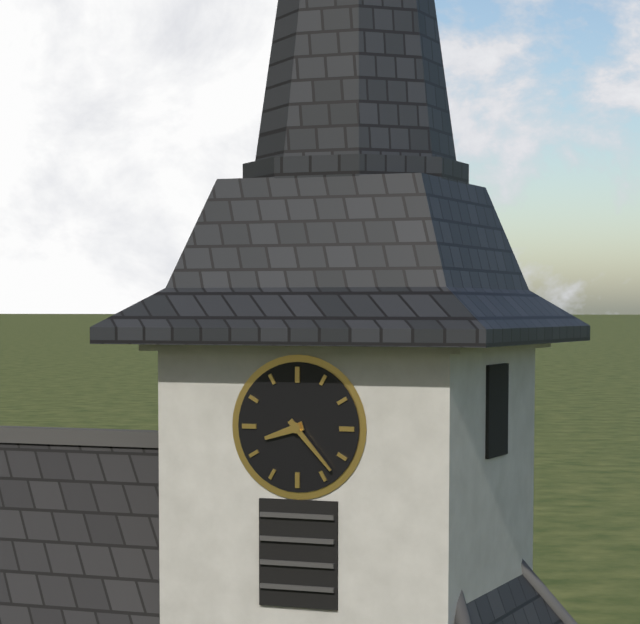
8:23
